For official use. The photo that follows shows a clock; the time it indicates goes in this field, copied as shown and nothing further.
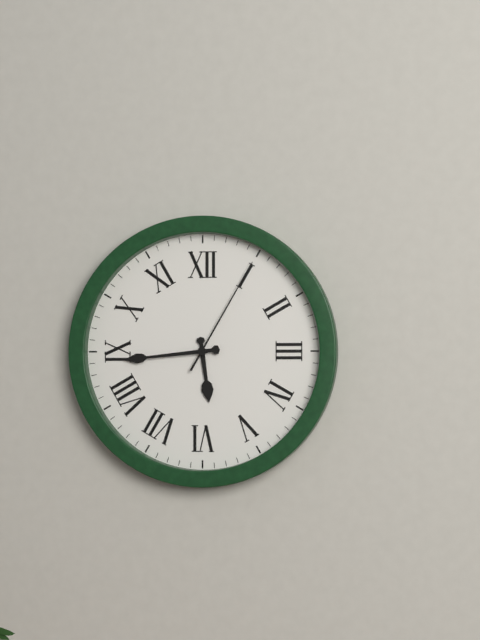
5:44:05
